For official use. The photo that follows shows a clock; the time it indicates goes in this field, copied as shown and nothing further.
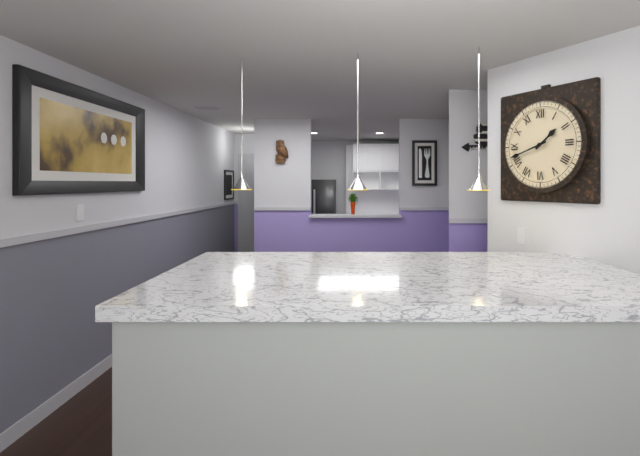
1:42
